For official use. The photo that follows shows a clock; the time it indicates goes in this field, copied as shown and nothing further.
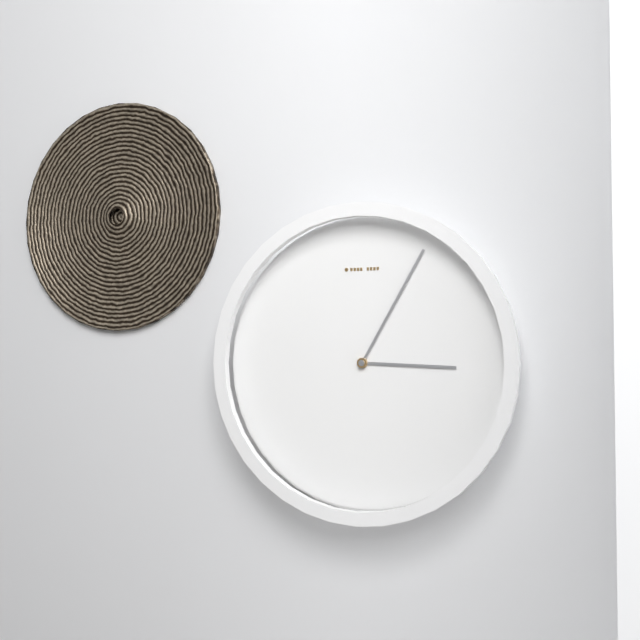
3:05
